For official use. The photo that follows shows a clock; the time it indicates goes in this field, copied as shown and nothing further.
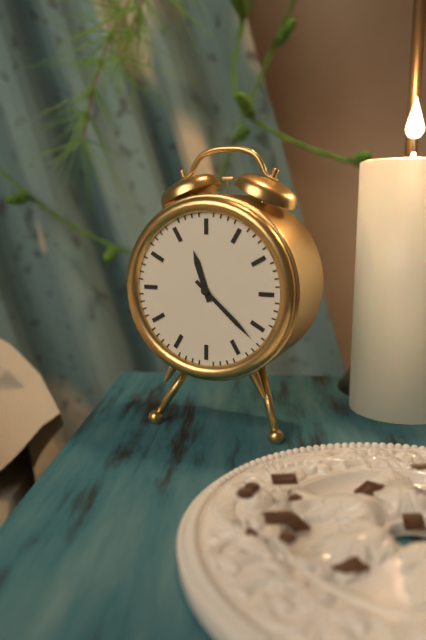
11:22
